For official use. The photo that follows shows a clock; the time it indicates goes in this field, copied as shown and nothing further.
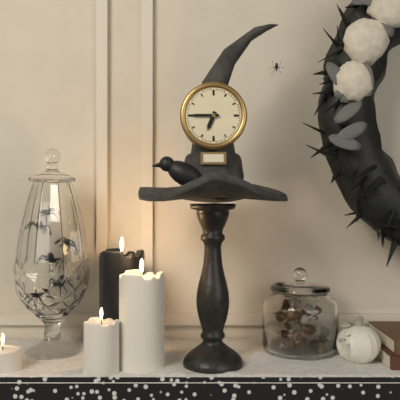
6:45
